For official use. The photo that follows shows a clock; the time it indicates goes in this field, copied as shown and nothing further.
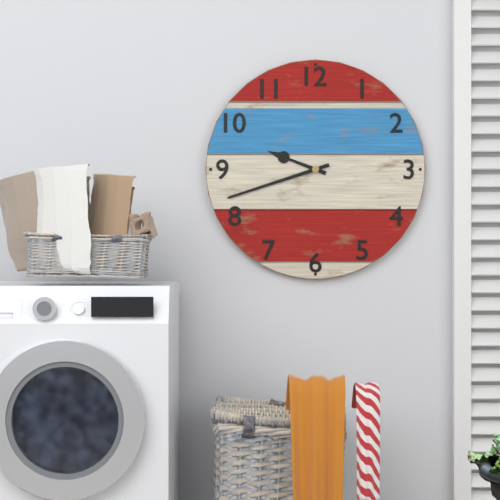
9:42
